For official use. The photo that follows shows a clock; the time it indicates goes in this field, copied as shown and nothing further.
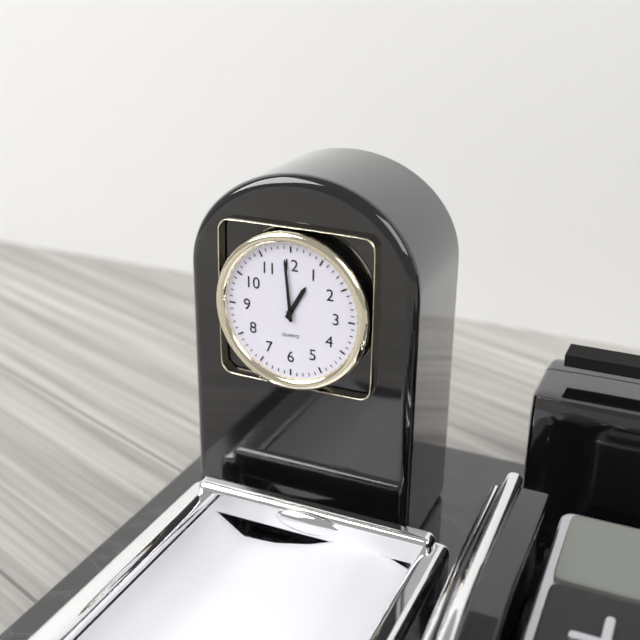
12:59
